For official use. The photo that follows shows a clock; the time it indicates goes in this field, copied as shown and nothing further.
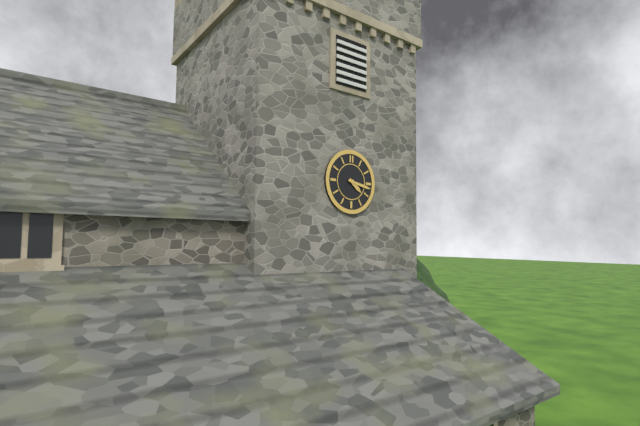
4:17
